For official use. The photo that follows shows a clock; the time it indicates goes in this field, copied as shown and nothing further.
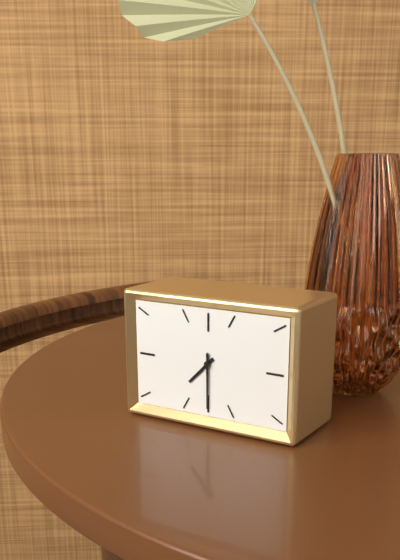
7:30
